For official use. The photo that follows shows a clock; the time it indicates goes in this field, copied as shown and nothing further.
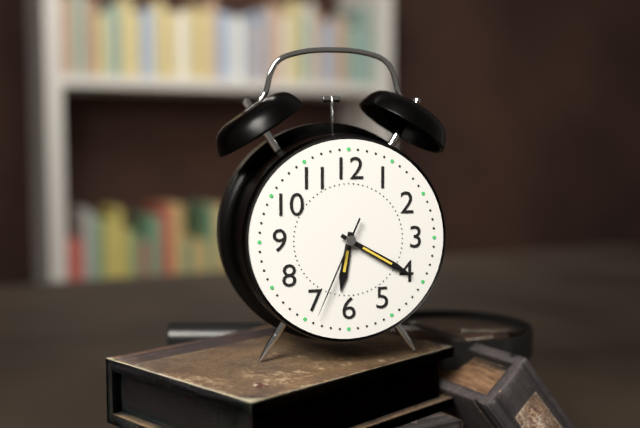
6:20:34
